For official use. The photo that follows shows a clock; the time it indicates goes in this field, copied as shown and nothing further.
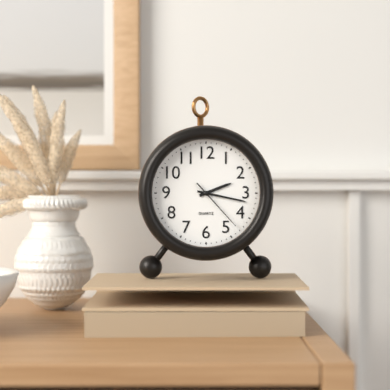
2:17:23
